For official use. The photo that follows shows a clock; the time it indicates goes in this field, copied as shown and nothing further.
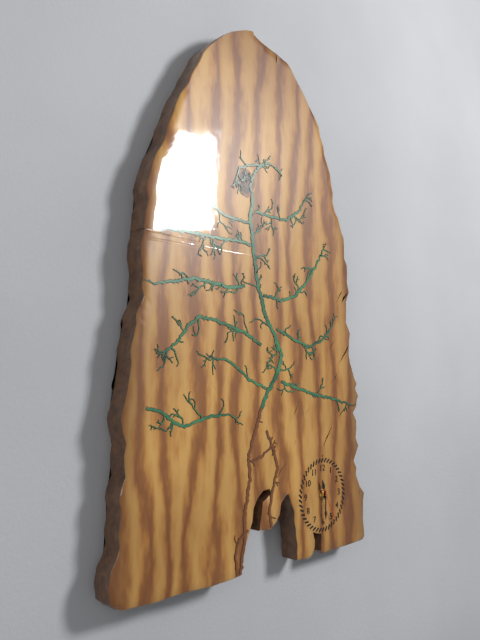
11:30
